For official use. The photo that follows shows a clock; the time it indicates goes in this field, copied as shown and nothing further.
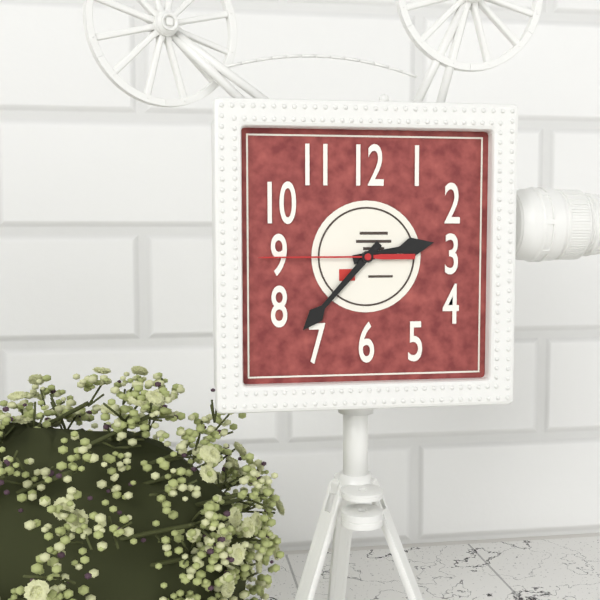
2:37:45
